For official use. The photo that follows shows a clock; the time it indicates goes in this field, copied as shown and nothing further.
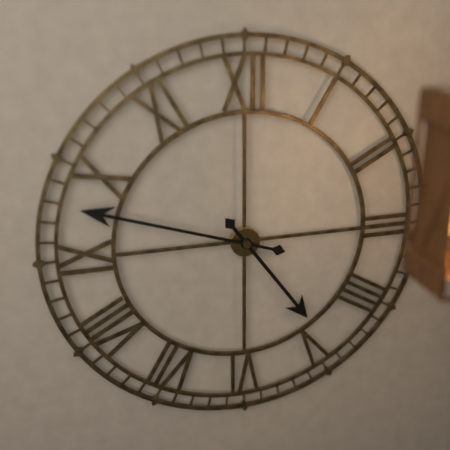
4:48
